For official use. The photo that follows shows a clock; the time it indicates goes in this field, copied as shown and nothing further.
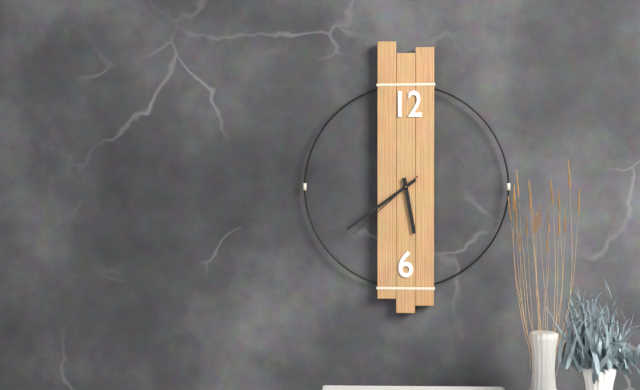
5:39:38
